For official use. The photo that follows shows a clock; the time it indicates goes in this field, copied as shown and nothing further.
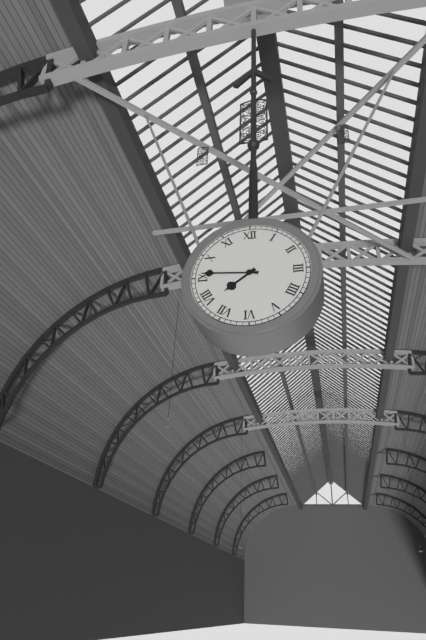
7:46
